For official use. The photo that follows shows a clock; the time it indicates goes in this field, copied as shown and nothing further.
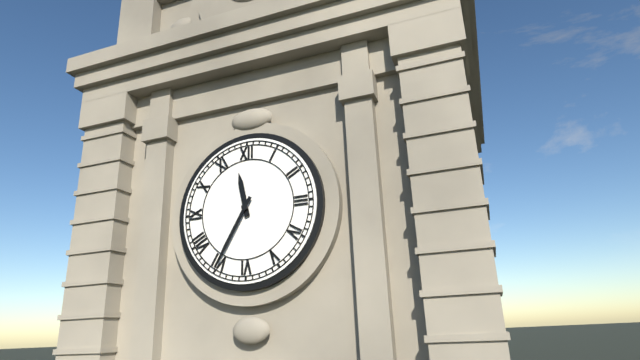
11:35
